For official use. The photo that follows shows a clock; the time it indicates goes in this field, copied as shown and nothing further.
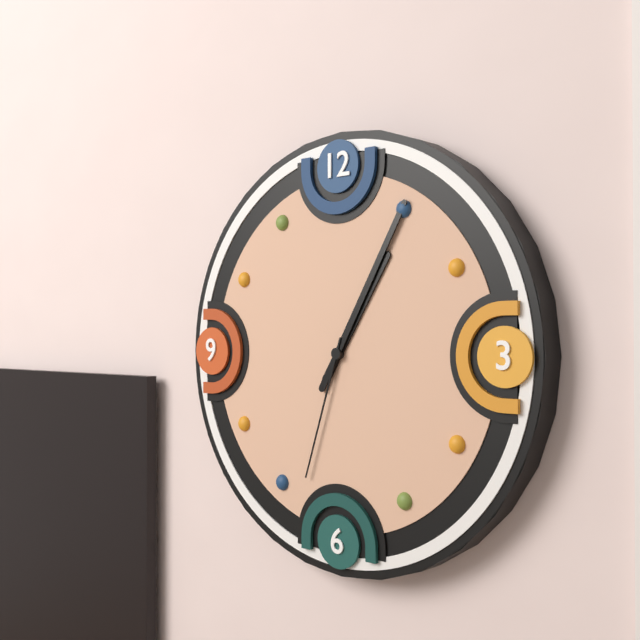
1:05:33
